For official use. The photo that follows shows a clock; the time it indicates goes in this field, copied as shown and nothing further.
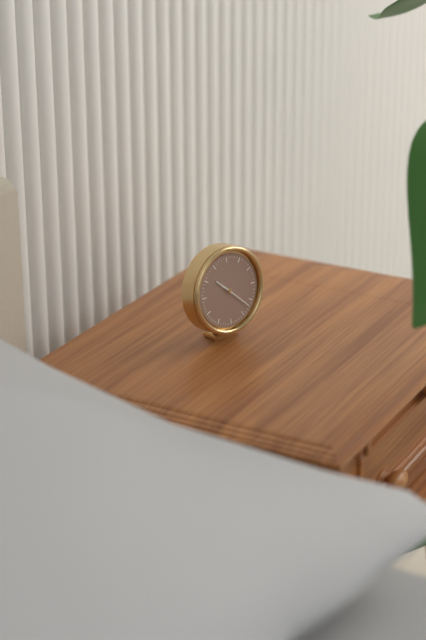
10:22
